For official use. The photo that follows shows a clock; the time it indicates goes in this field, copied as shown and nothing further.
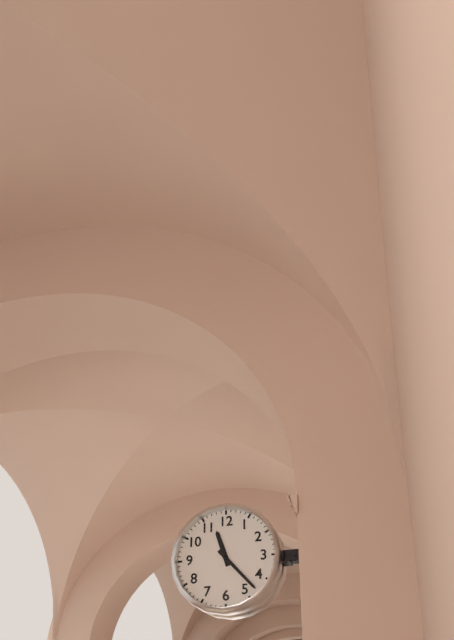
11:23
